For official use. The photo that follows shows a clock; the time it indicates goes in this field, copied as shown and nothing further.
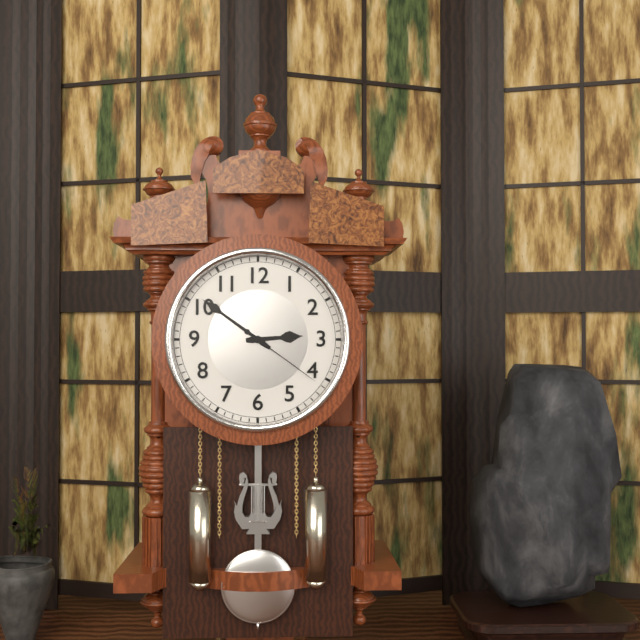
2:51:21
